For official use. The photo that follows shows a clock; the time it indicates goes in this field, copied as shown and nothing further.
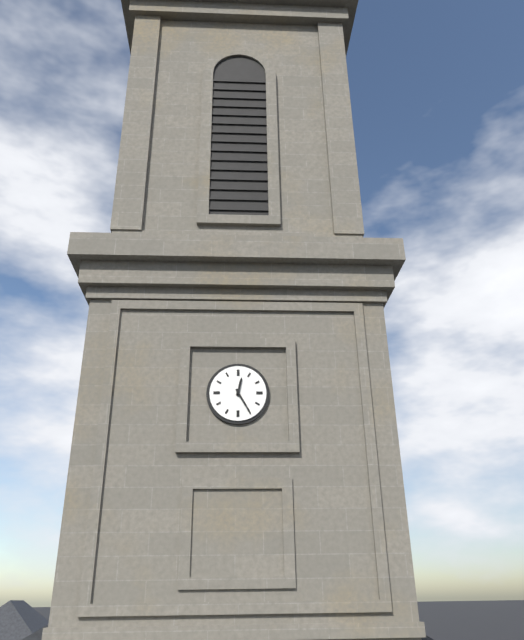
12:25
